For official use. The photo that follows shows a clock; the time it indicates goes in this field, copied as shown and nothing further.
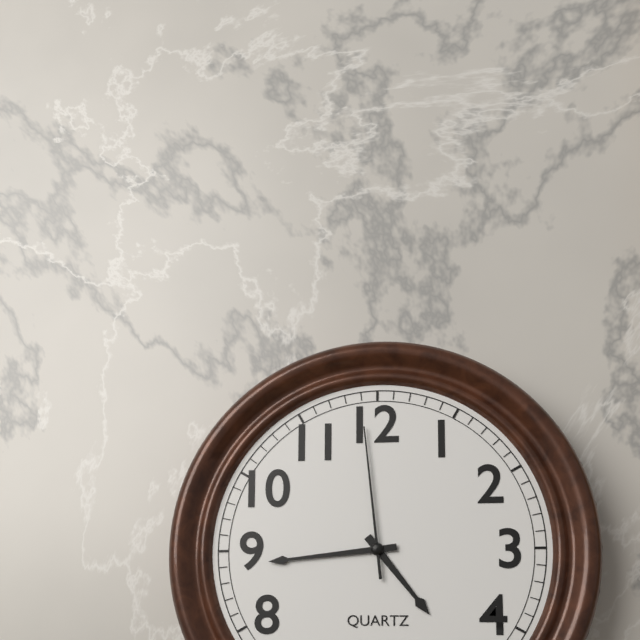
4:44:59
